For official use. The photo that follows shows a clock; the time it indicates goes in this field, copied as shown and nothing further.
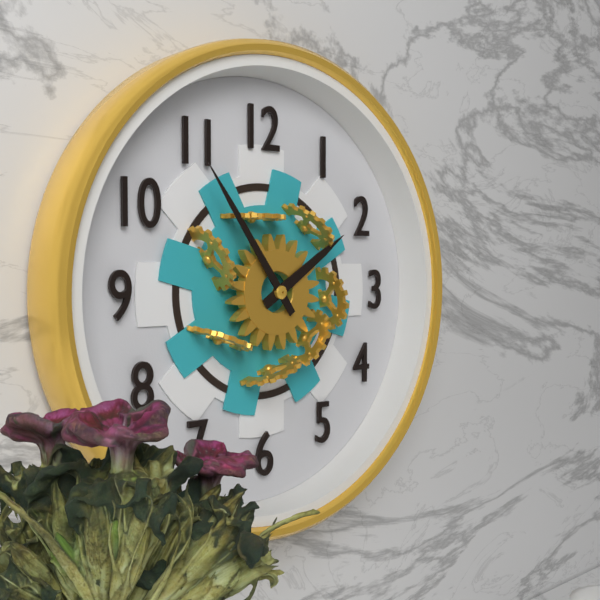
1:54
